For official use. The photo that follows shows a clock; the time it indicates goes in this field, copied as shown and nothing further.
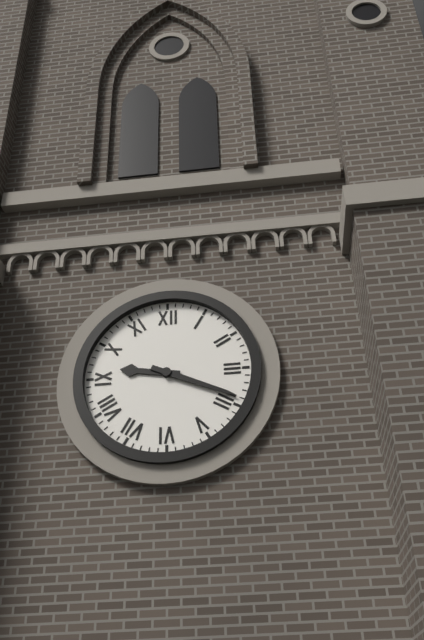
9:19
